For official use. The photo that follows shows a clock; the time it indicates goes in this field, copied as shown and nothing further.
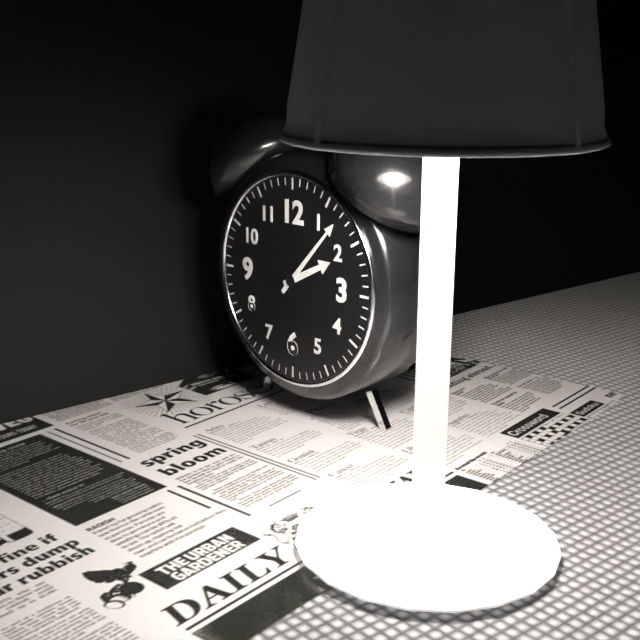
2:07
